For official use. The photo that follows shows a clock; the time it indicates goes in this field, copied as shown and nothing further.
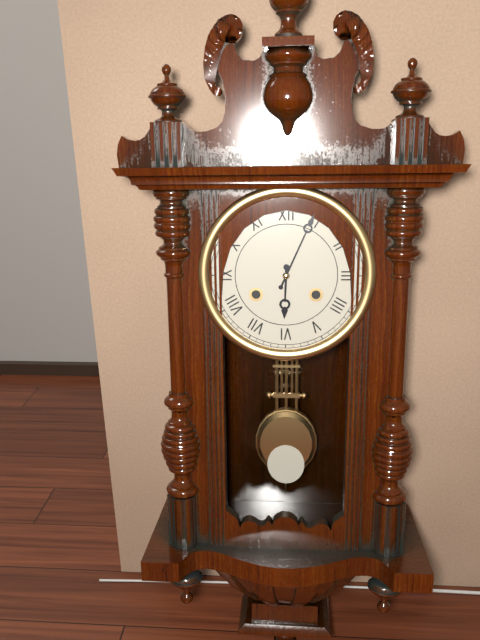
6:04
